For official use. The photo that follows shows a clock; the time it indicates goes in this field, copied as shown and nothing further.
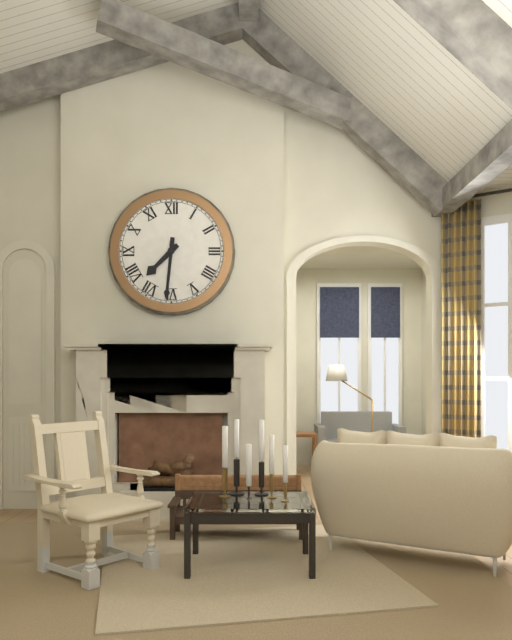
7:31
